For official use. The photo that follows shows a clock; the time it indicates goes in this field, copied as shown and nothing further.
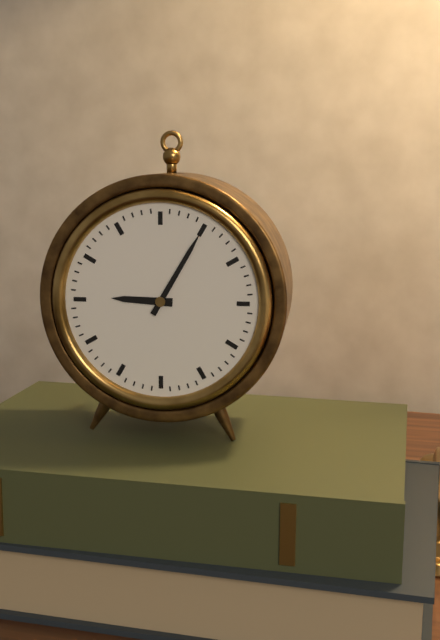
9:05
